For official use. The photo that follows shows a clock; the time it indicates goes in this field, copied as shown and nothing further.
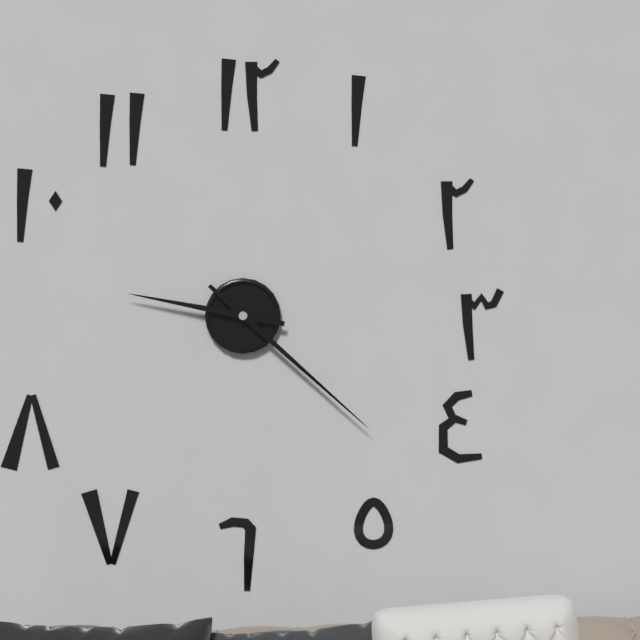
9:22
